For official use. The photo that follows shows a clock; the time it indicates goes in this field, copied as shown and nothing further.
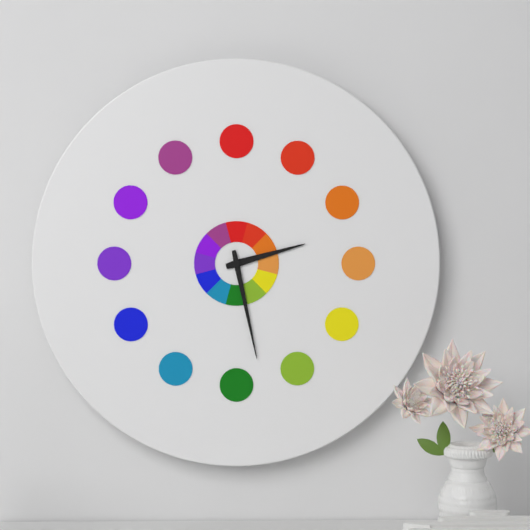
2:28
